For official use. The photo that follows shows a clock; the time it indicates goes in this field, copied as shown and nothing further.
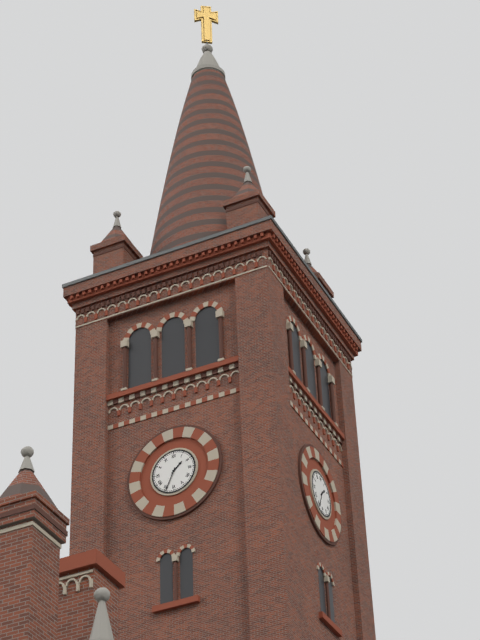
1:34
